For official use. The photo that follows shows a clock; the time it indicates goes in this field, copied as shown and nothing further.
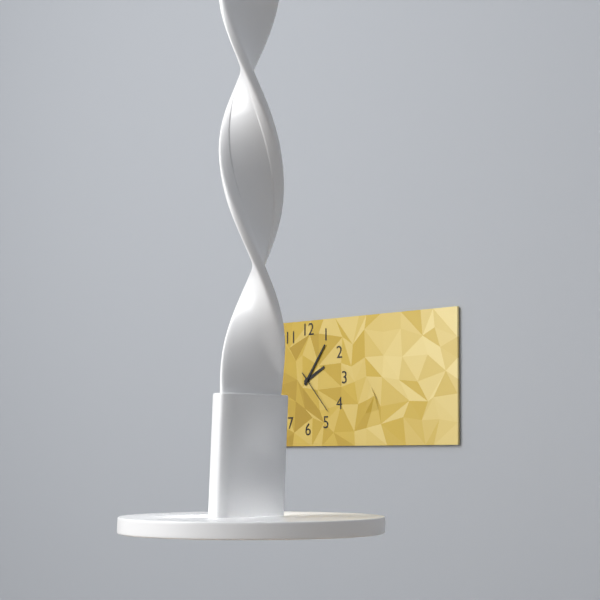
2:06
